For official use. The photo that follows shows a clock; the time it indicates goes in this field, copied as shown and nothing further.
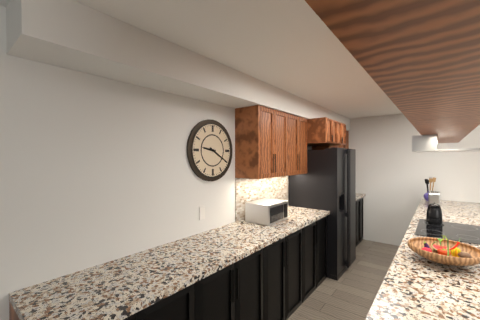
9:20
